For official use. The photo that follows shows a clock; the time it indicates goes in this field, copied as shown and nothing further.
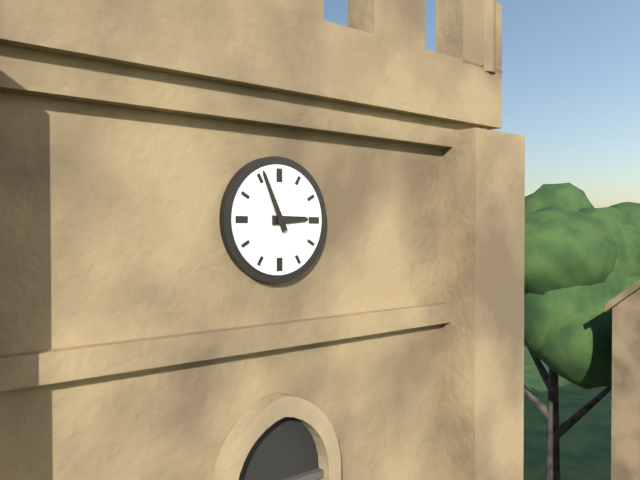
2:56
